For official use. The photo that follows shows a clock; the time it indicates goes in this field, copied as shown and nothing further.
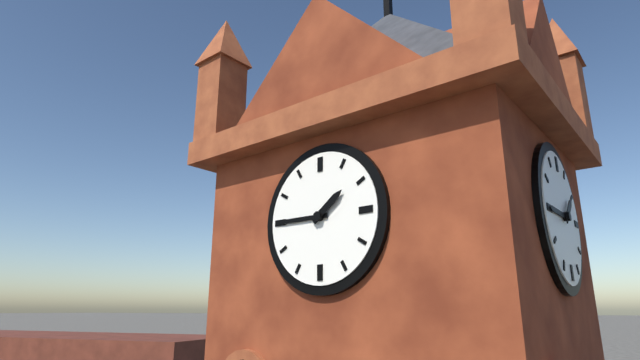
1:45
